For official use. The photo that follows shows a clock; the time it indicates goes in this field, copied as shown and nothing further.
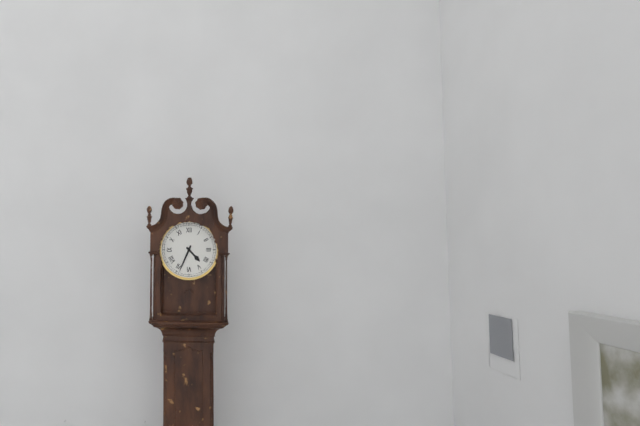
4:34
